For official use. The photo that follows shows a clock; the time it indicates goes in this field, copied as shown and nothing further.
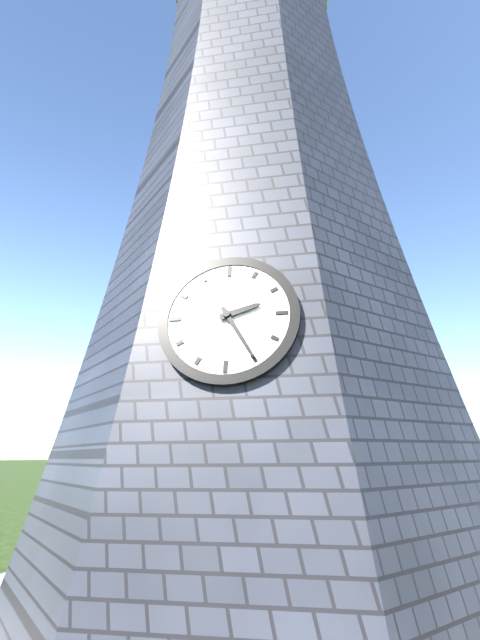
2:25
